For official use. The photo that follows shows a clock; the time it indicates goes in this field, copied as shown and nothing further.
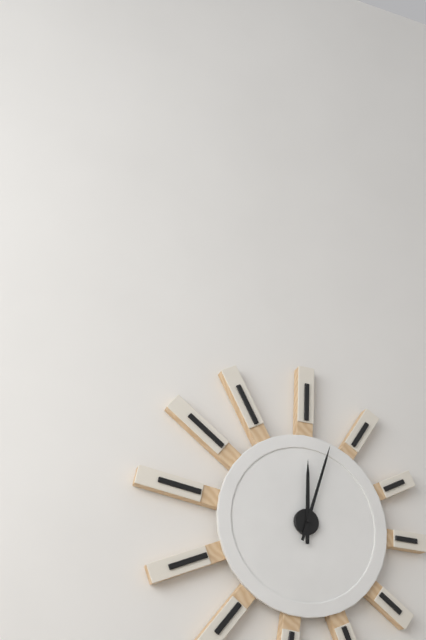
12:03
